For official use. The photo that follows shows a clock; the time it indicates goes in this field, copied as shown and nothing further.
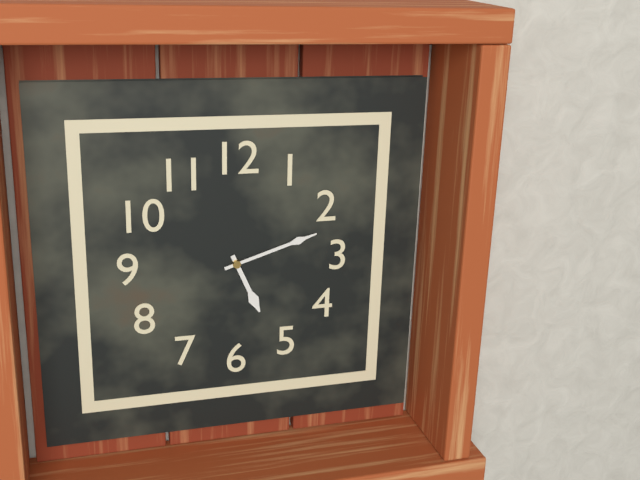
5:12
